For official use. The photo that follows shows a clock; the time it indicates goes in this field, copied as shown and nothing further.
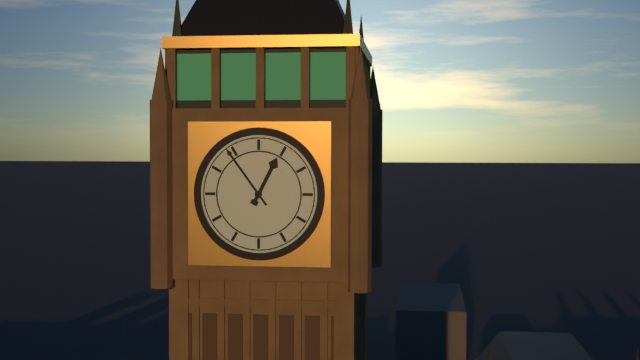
12:54
